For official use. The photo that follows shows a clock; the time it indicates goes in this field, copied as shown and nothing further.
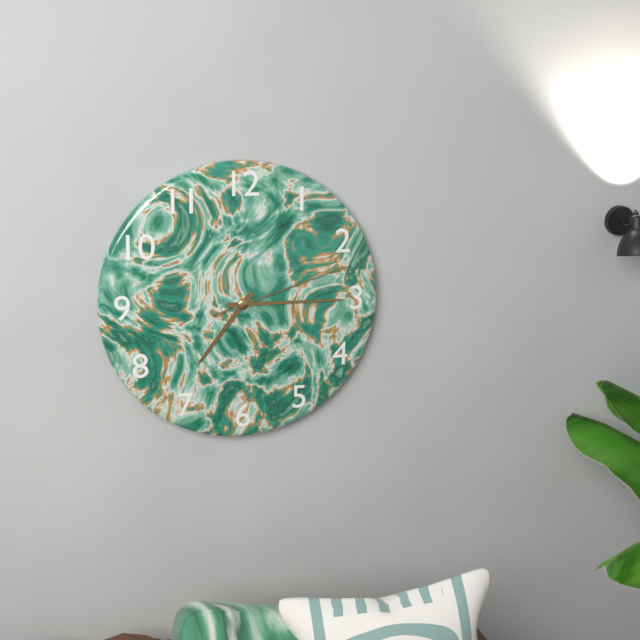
7:15:12
